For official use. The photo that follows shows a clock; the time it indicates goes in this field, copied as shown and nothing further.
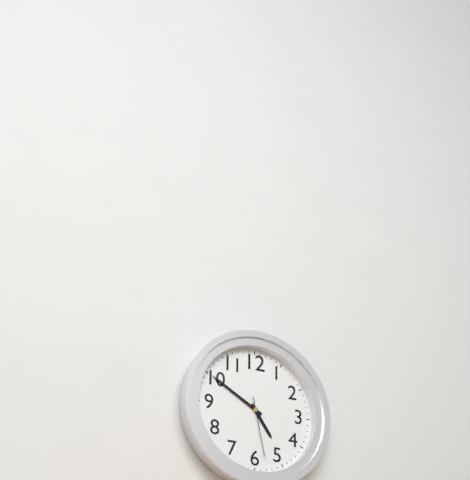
4:50:28
